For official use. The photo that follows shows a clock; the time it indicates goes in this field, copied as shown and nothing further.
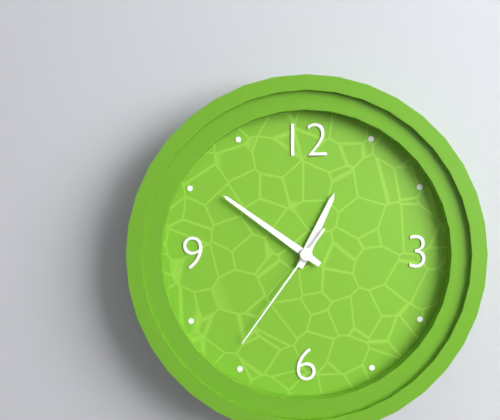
12:51:36
